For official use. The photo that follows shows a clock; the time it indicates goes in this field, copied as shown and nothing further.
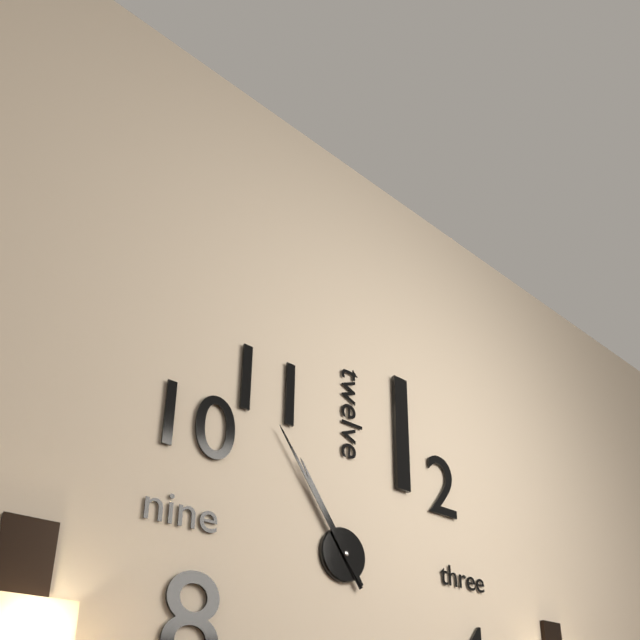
10:54
